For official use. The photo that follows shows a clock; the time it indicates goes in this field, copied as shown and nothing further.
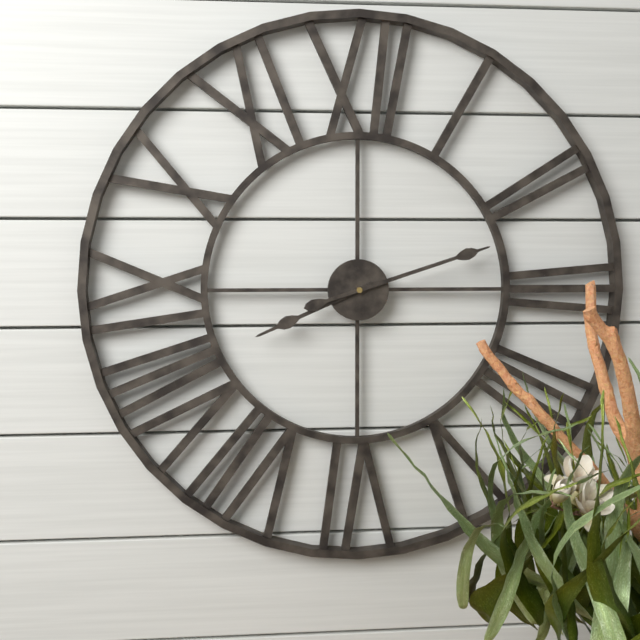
8:12
